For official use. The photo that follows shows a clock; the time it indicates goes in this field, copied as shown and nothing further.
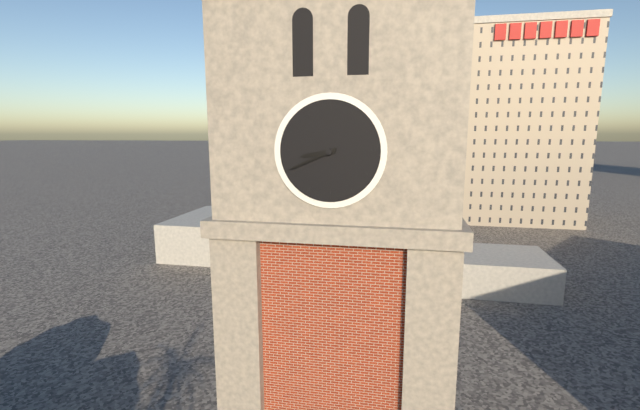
8:41
